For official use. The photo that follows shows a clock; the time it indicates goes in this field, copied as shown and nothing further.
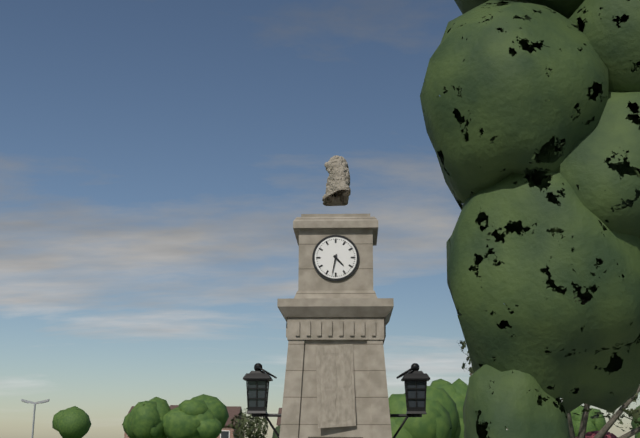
4:32
